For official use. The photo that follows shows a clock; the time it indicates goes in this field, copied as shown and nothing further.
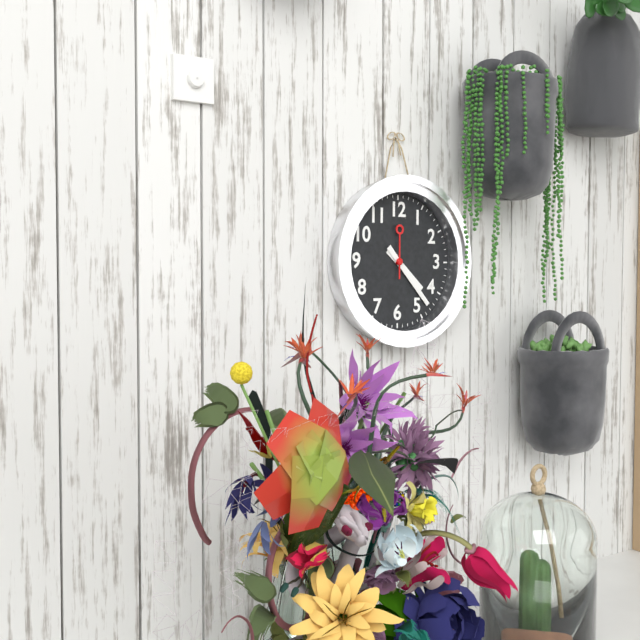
4:23
